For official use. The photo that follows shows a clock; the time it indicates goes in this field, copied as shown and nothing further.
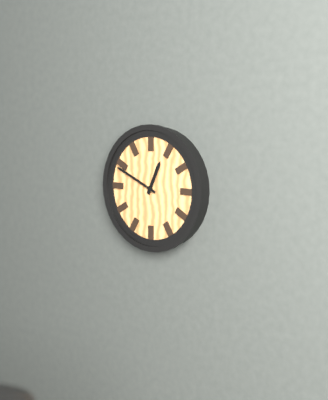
12:49
